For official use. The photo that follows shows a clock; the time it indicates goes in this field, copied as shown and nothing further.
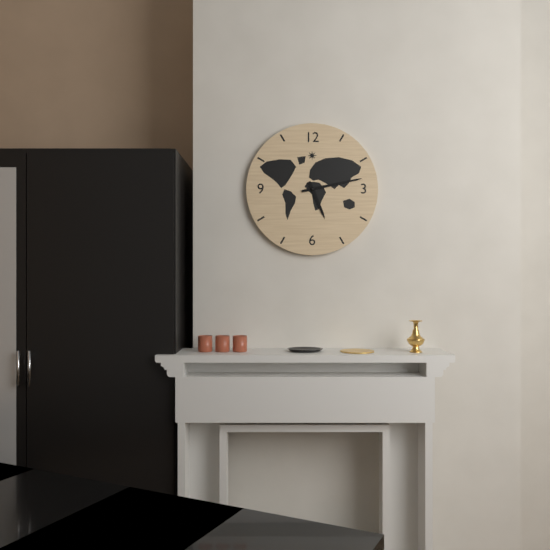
5:13
